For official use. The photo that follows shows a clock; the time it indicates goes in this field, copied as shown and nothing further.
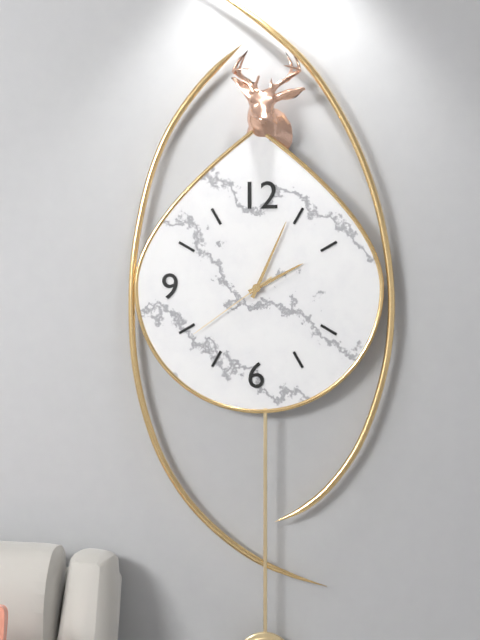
2:04:39
